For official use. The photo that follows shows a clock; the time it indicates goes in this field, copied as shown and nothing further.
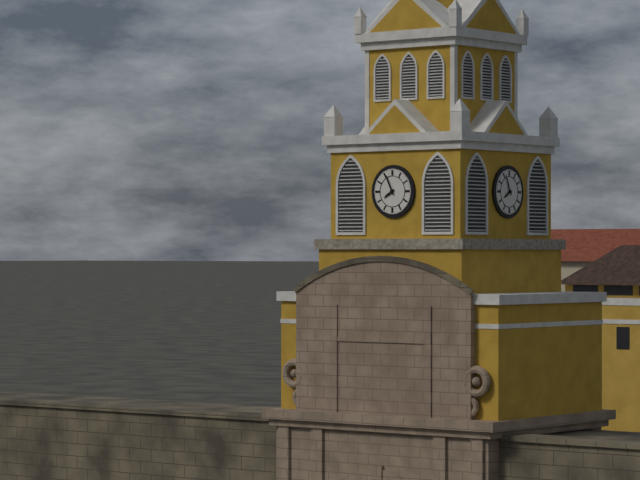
7:56
